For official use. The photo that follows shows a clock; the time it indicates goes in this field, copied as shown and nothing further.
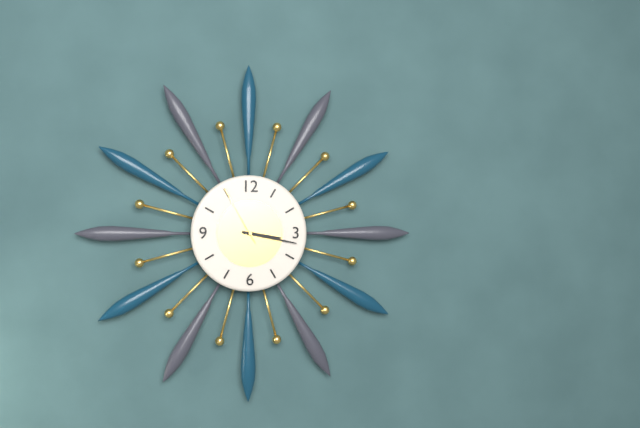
3:17:55
